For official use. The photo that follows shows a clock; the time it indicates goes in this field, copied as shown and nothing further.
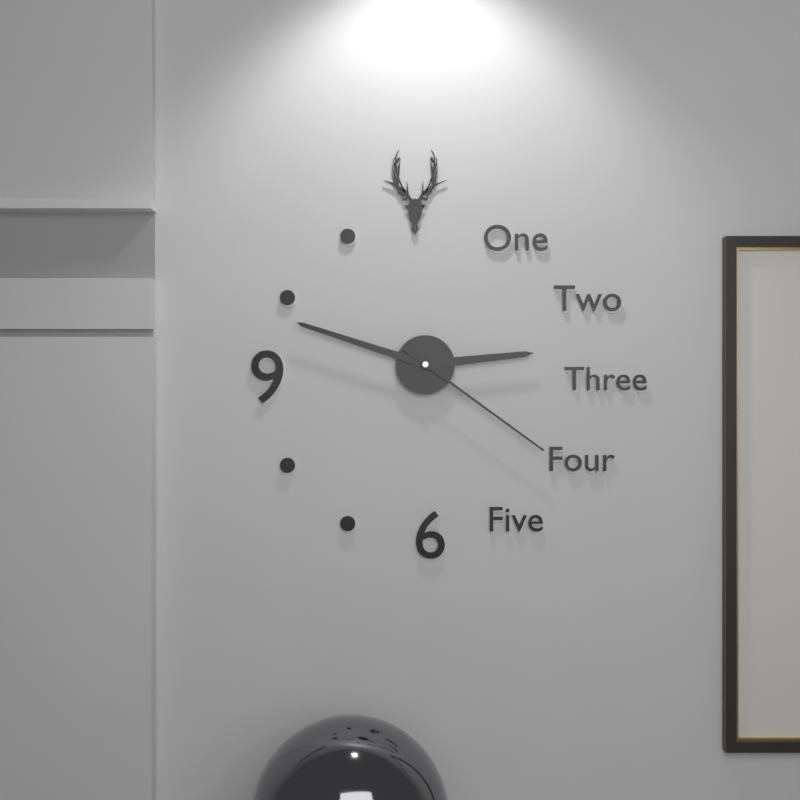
2:48:21
